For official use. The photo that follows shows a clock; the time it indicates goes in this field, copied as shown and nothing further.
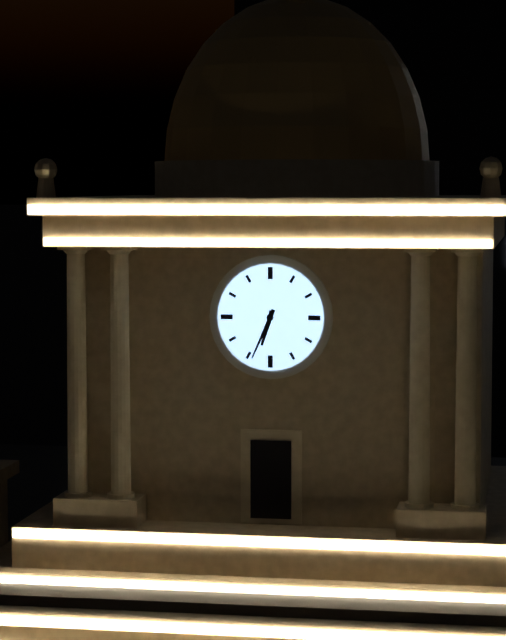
6:34
